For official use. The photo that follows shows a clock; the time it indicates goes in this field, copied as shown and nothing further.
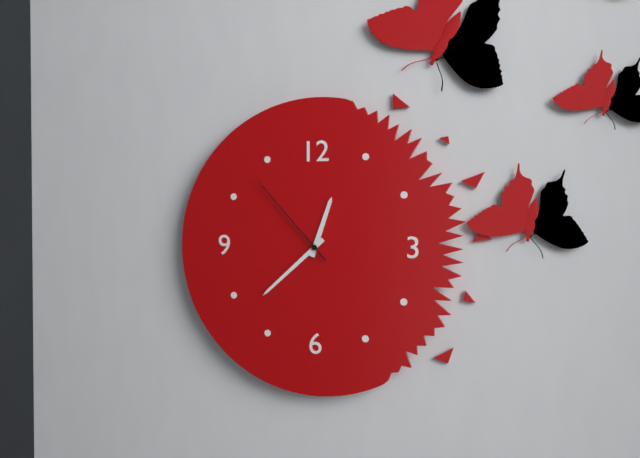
12:38:53
